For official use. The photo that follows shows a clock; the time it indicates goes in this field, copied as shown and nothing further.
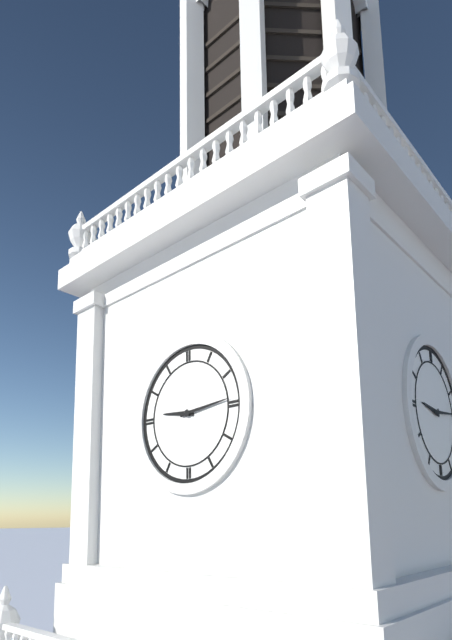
9:14
